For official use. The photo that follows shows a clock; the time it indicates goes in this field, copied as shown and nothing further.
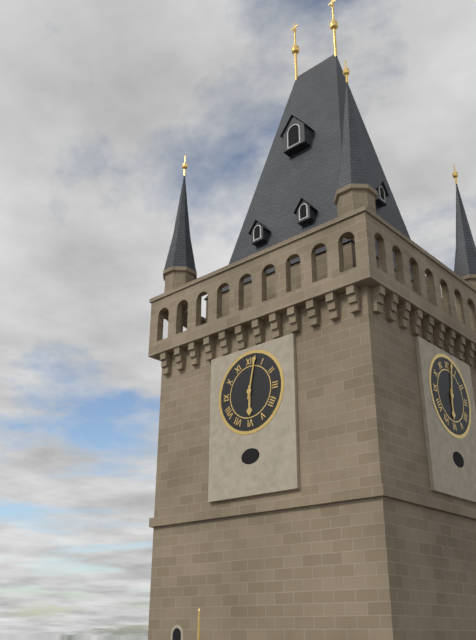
6:02
